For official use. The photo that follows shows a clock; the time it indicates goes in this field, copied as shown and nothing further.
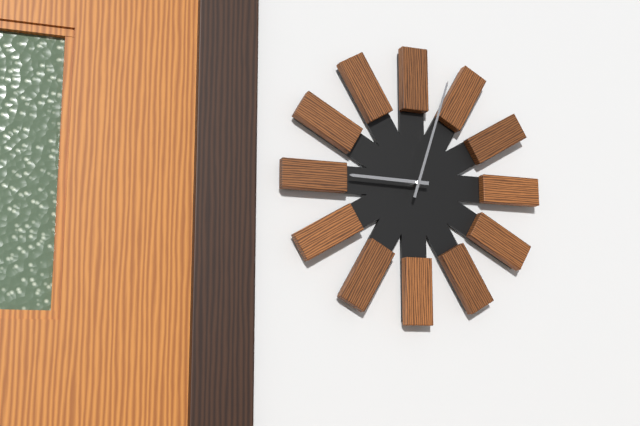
9:03
